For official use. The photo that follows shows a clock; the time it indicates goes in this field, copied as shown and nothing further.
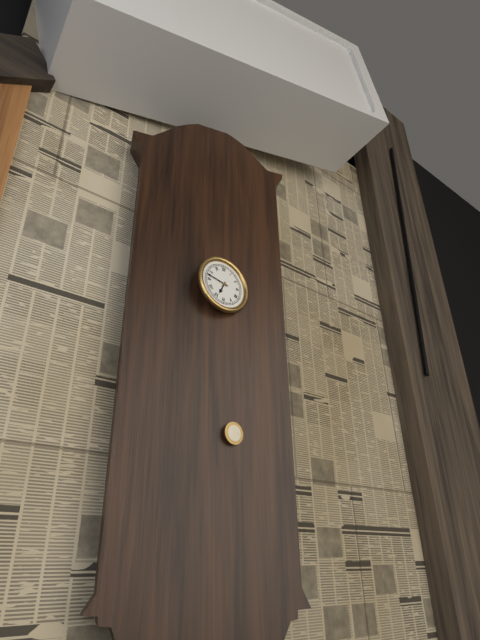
6:47
